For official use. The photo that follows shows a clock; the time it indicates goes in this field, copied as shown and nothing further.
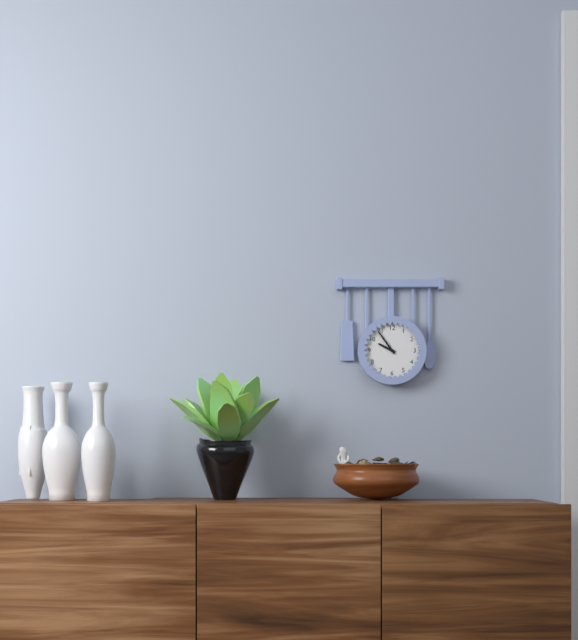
9:54
